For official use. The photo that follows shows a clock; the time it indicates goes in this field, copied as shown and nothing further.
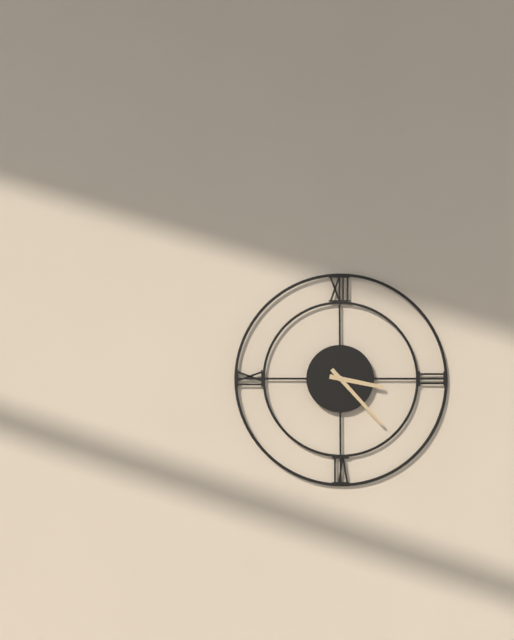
3:23
